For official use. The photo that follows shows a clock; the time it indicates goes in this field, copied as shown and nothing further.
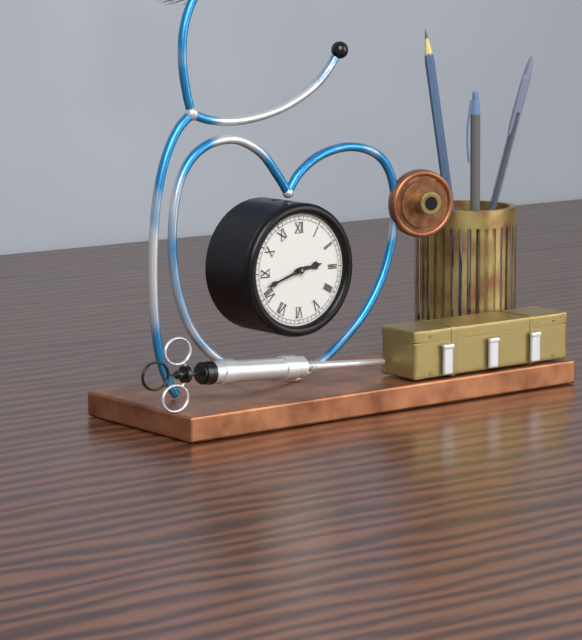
2:42
